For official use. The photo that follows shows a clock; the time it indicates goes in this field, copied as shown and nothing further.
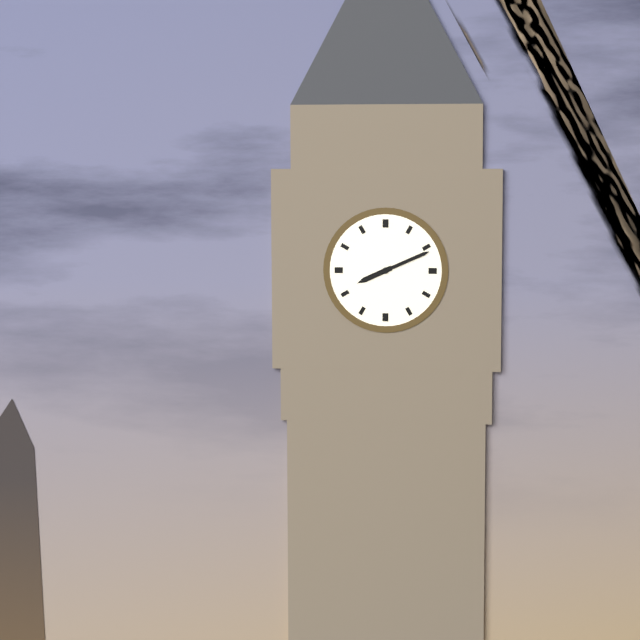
8:11
